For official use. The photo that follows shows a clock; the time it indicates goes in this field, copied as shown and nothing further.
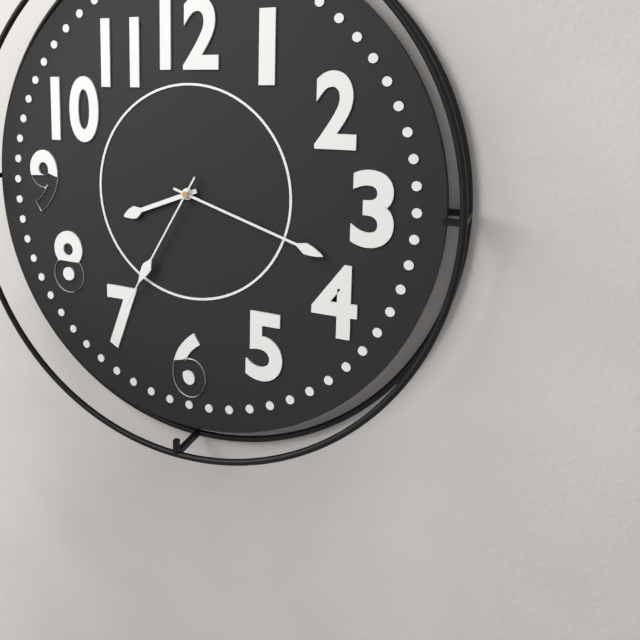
8:18:35
